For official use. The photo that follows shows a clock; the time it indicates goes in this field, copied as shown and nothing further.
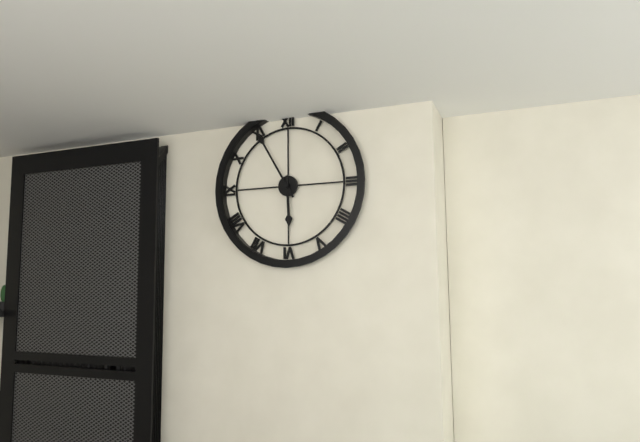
5:55
